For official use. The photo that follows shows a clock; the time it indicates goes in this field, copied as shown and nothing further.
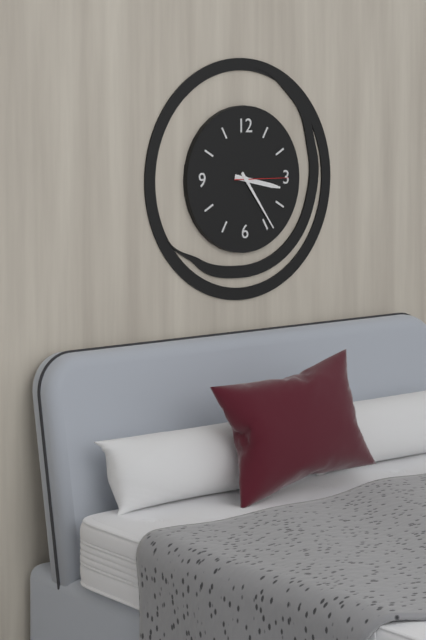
3:24:15
